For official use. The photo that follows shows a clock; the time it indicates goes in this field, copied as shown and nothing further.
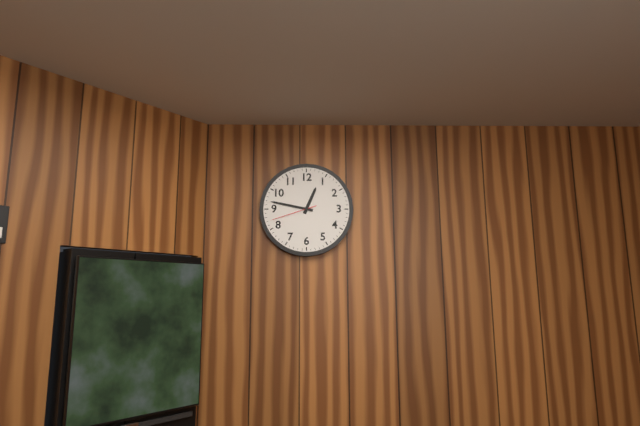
12:47
